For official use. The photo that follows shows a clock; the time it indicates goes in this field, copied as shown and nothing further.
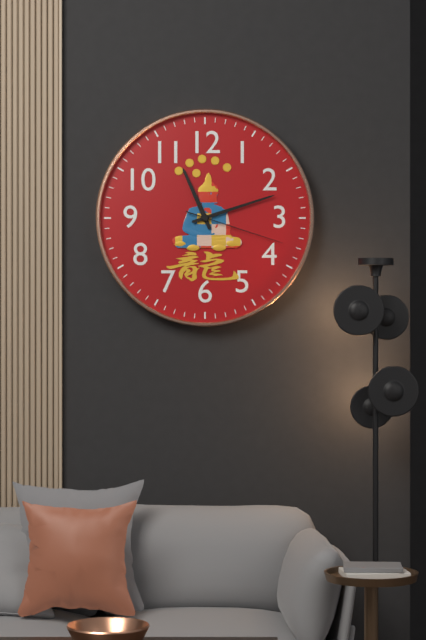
11:12:18
